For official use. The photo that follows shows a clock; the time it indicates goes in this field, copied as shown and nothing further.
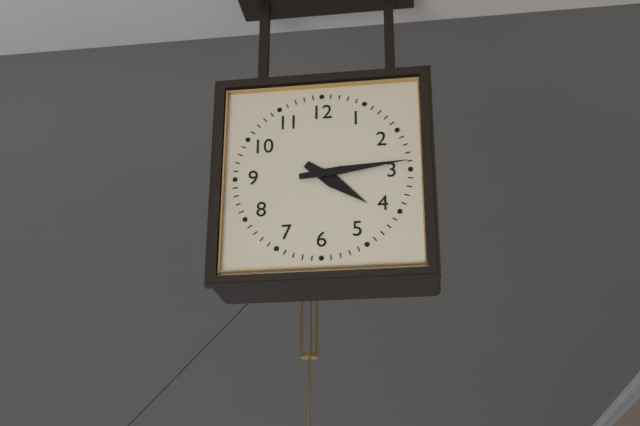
4:14
